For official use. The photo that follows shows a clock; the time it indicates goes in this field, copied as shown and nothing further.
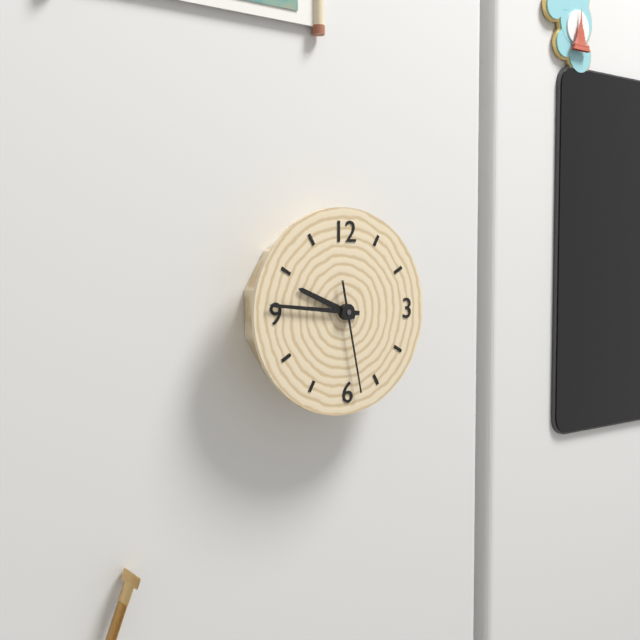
9:46:28
